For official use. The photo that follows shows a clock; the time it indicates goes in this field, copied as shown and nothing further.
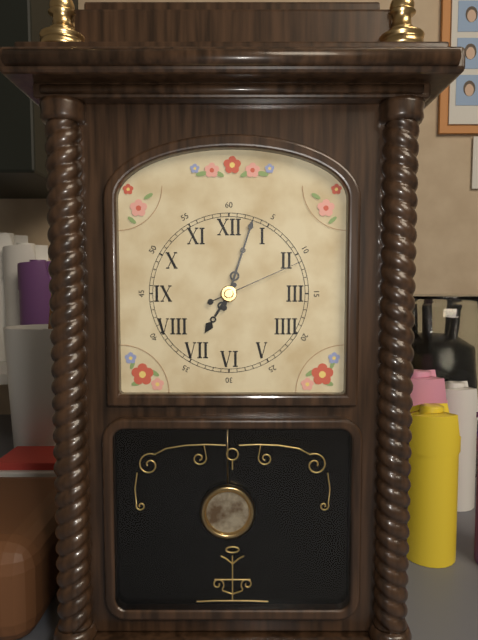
7:03:11
